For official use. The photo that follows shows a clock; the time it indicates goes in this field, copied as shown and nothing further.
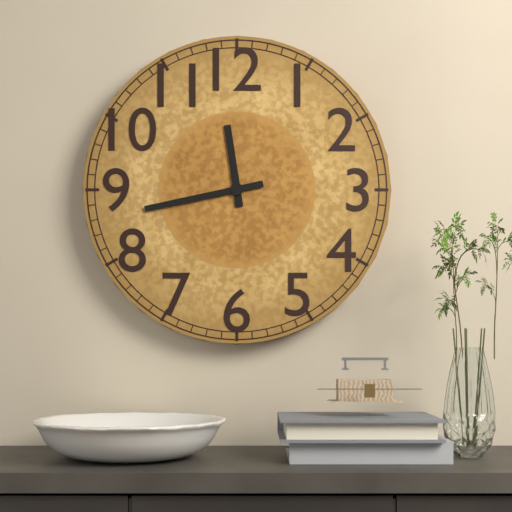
11:43
